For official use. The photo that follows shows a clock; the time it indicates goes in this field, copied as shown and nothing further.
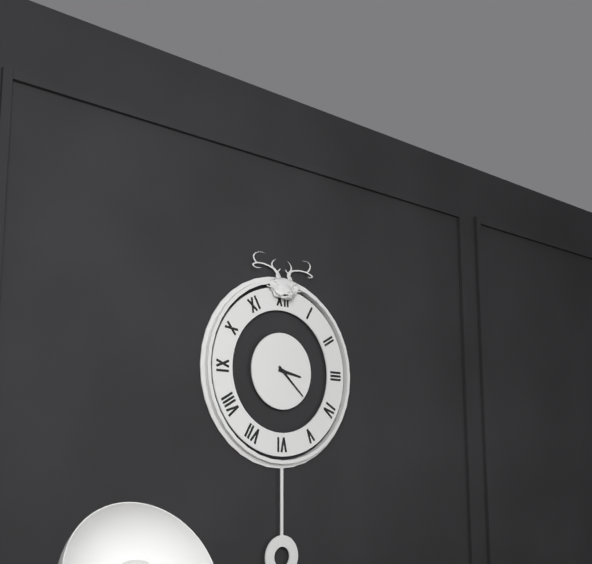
3:22
